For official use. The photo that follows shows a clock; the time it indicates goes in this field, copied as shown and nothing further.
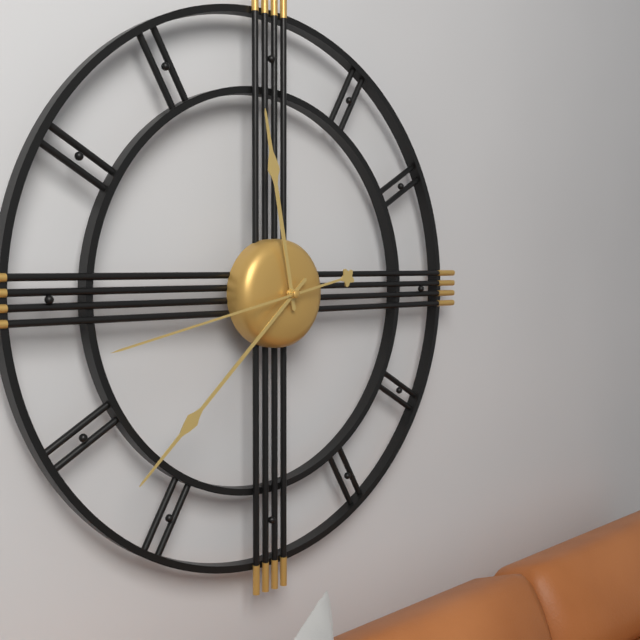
11:38:43
